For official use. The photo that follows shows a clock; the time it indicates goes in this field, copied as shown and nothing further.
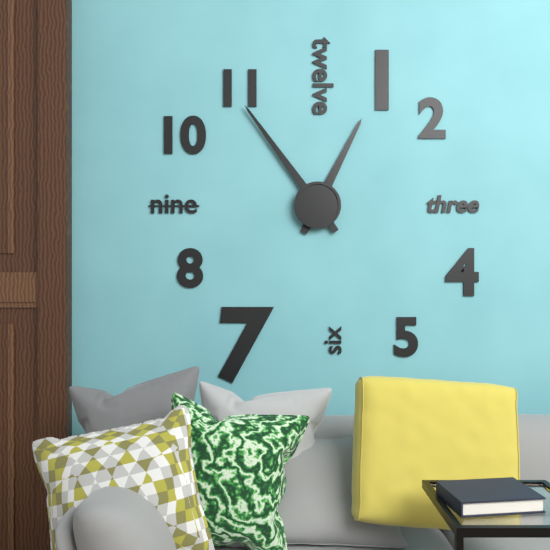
12:54
